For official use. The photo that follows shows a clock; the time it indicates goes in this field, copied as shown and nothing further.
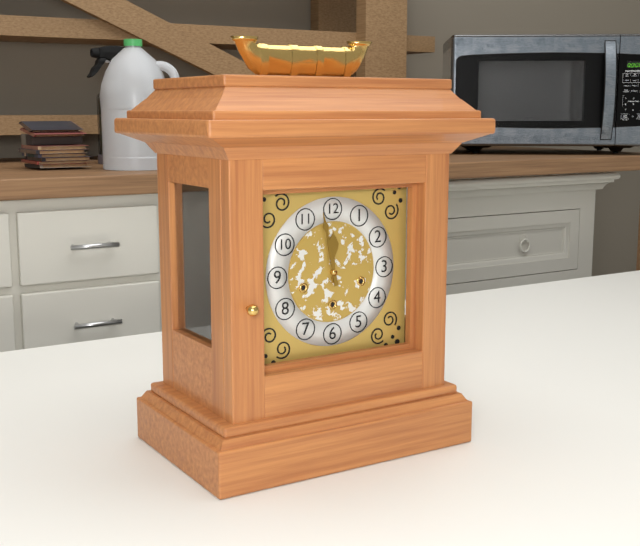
11:58
